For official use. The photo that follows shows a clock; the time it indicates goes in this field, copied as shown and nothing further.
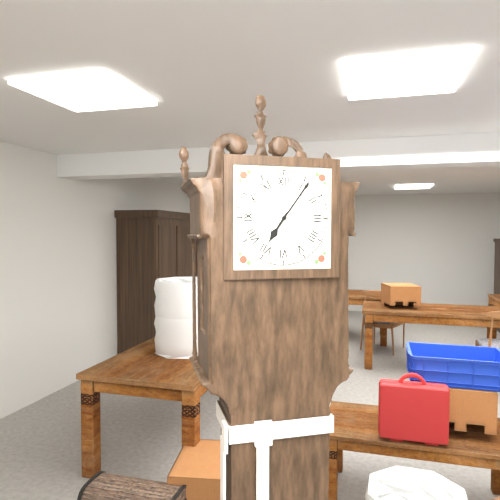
7:06
